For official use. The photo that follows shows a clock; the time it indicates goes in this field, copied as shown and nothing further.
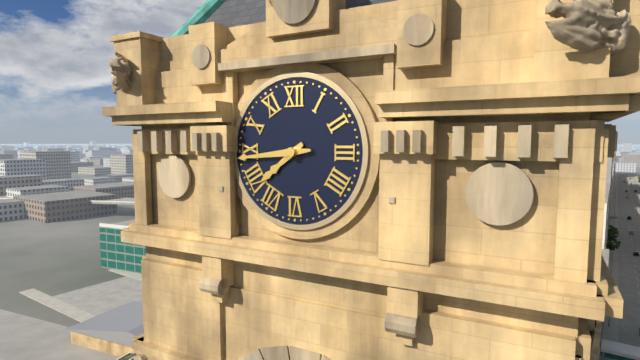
7:44
